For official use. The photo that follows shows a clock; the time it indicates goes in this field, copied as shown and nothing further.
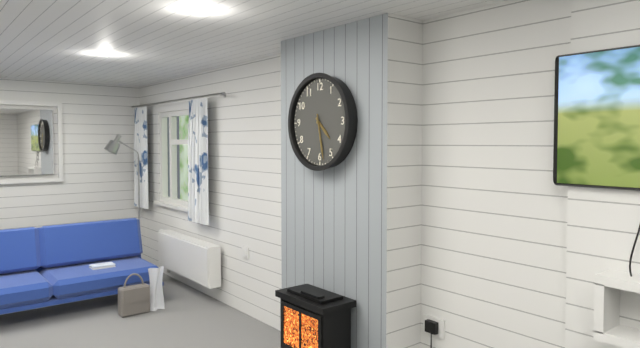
4:28
